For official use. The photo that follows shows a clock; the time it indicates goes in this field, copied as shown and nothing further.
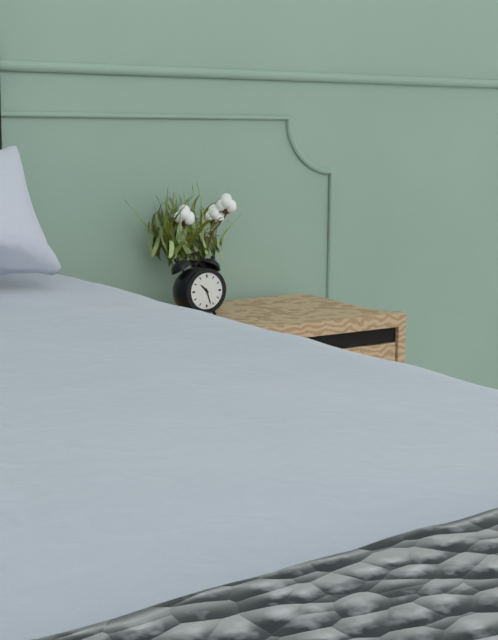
10:27
